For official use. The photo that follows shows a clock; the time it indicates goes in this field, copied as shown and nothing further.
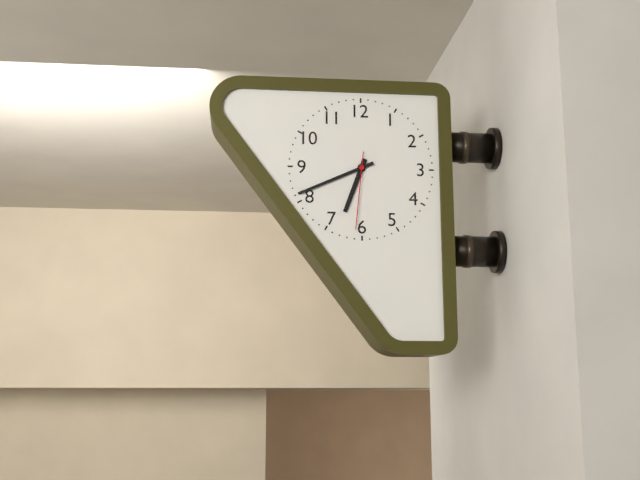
6:41:31
